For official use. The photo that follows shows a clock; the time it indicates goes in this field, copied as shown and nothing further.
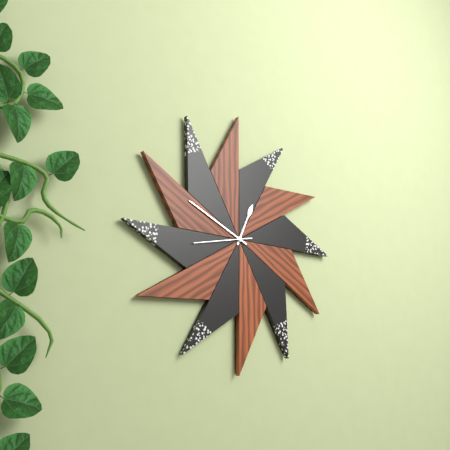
12:49:43
